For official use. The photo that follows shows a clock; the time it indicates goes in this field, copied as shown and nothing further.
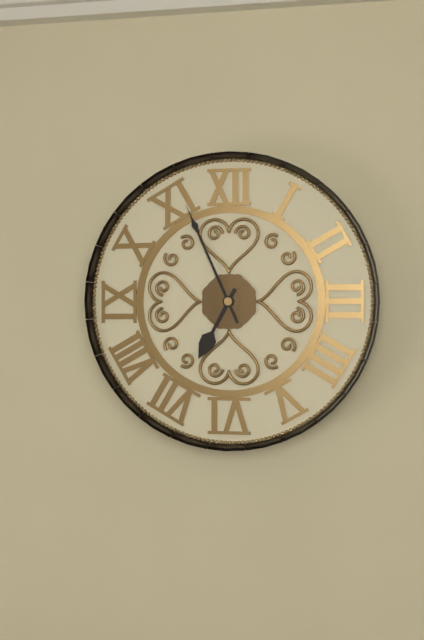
6:56
